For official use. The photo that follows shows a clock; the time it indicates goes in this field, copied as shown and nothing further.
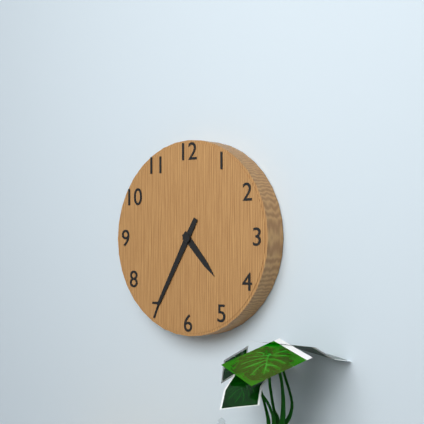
4:35
